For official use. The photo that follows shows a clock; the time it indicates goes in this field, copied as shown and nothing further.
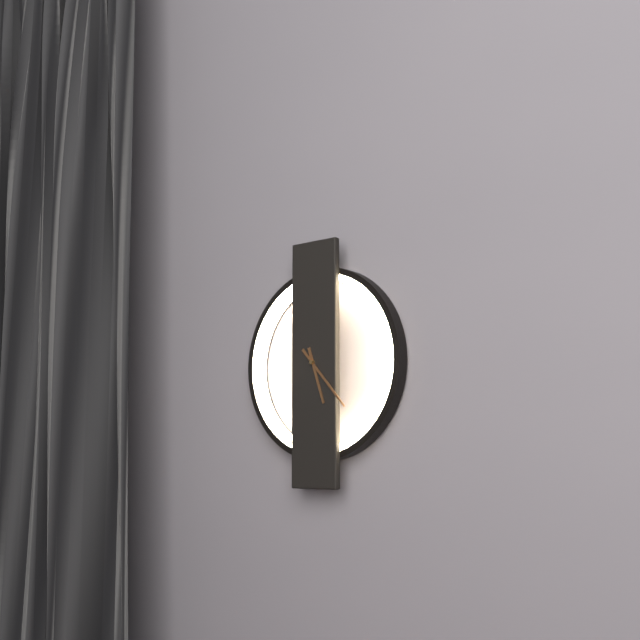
5:23
